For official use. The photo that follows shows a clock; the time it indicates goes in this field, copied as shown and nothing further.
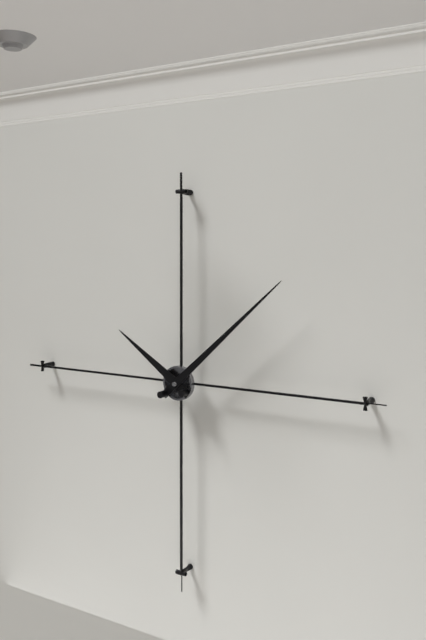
10:08
